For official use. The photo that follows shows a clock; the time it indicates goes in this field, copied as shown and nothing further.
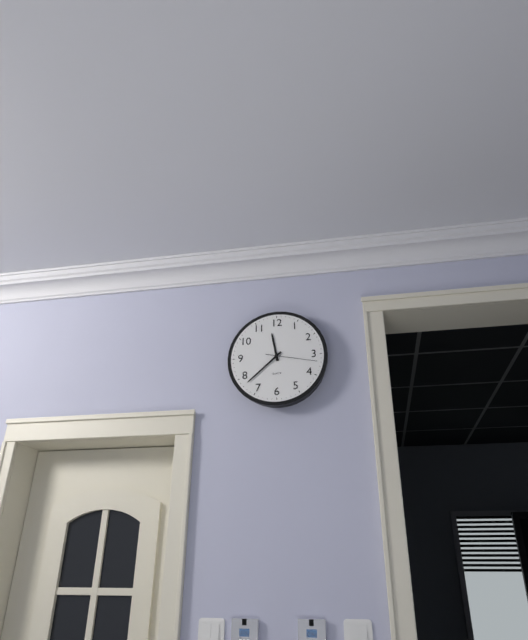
11:38:17
